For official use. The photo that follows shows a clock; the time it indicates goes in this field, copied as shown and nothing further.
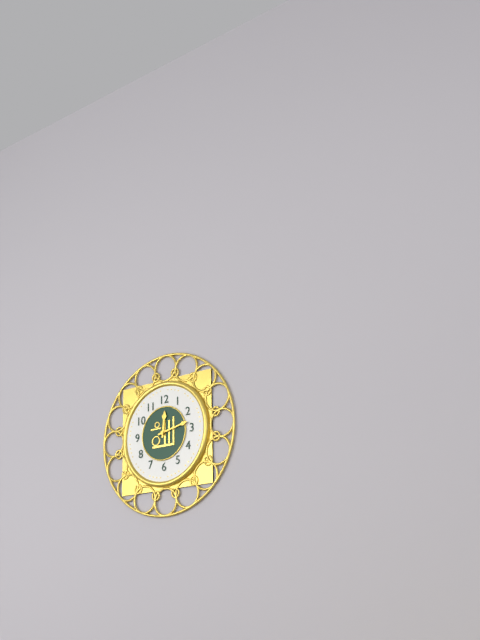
12:13
